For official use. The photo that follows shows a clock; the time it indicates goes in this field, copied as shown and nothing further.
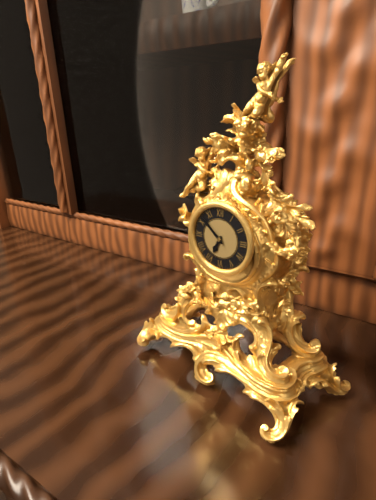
6:52
